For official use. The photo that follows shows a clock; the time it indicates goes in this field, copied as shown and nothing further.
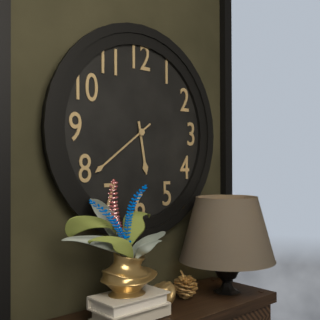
5:39
